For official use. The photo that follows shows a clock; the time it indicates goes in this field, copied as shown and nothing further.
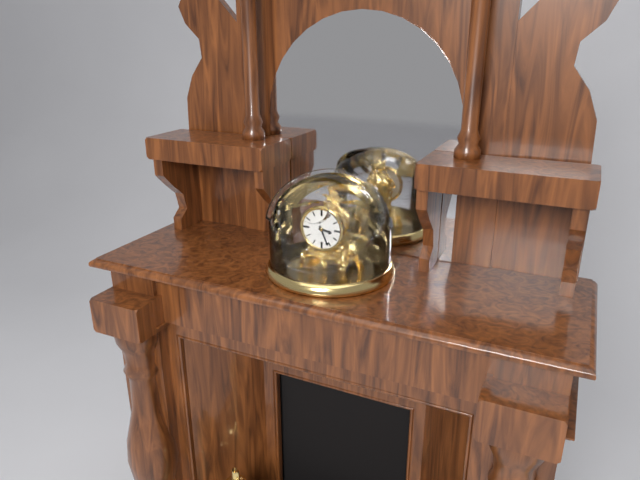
3:26
